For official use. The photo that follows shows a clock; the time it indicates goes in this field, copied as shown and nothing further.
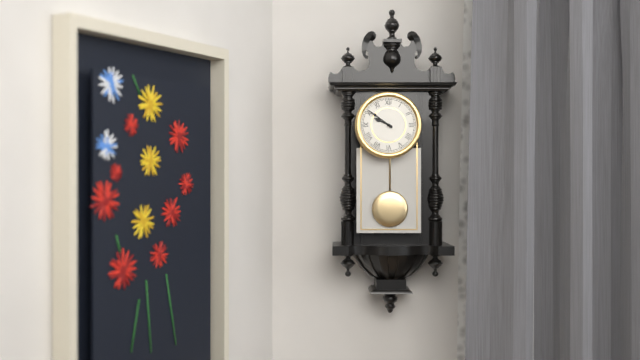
9:51
